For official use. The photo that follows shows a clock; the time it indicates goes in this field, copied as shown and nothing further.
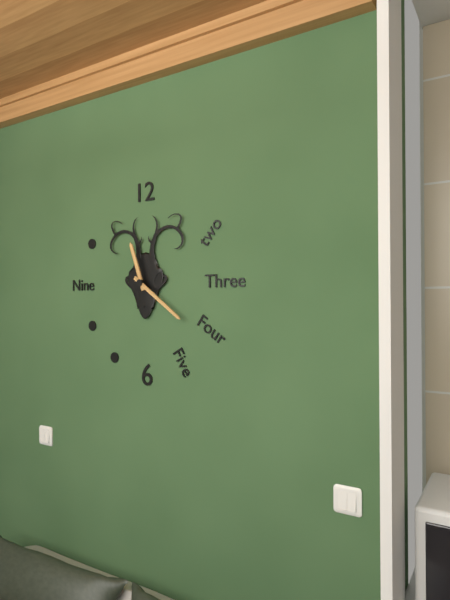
11:21
